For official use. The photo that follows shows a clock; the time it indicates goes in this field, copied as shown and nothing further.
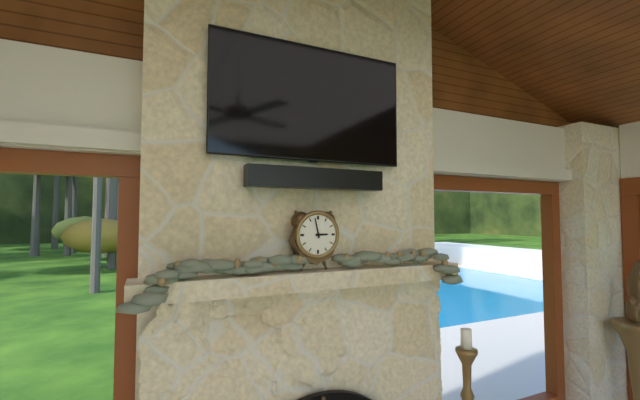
2:58
